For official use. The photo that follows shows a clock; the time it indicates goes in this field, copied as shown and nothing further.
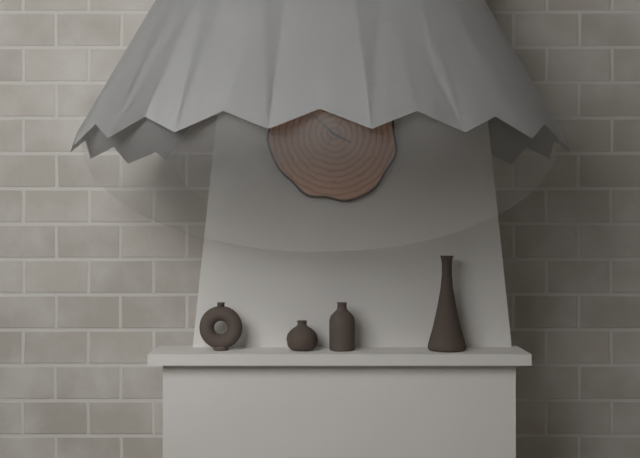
3:52
